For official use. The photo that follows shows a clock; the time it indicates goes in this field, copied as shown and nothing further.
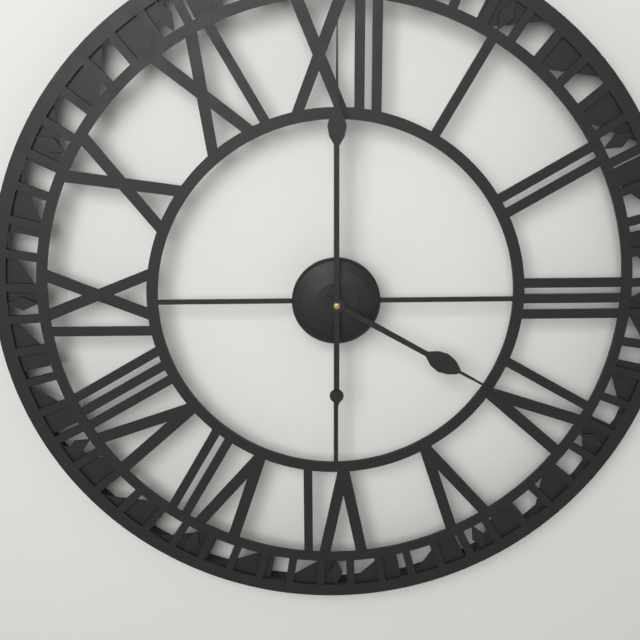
4:00
